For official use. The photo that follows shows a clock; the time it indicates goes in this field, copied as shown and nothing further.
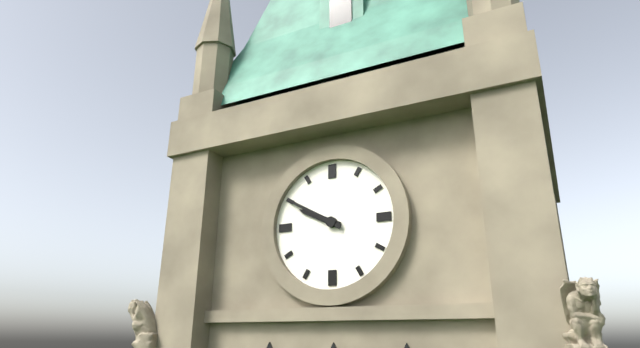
9:50
